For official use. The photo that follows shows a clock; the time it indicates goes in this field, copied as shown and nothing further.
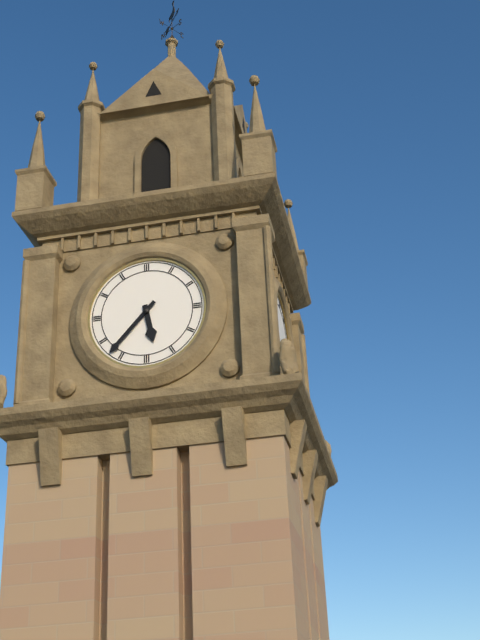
5:37
